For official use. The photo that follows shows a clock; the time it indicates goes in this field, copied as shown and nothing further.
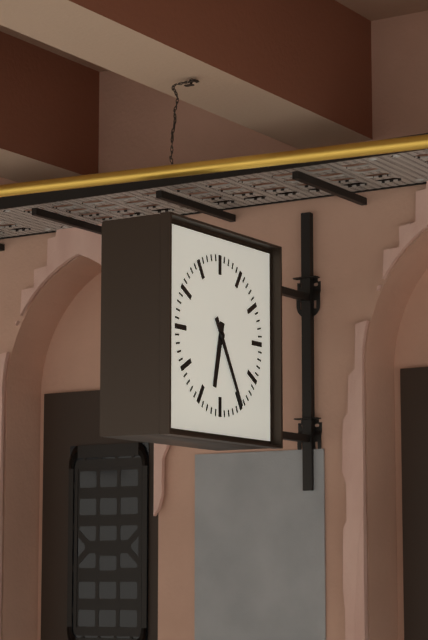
6:25
